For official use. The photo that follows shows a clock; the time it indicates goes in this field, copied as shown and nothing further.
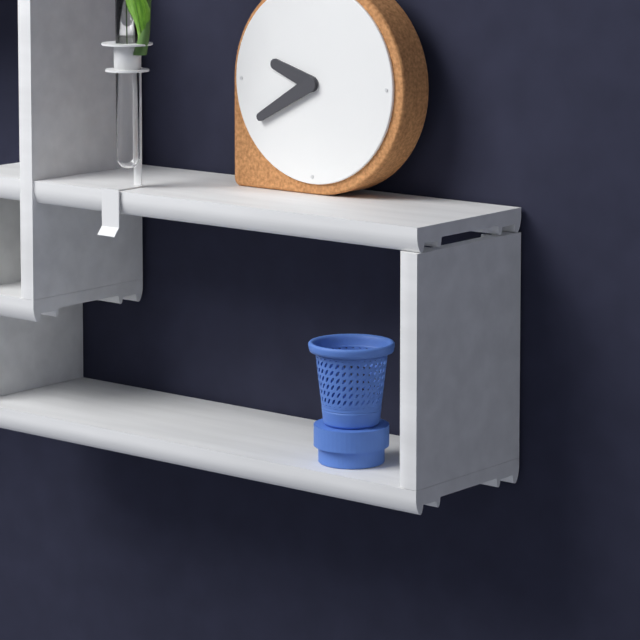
9:40
